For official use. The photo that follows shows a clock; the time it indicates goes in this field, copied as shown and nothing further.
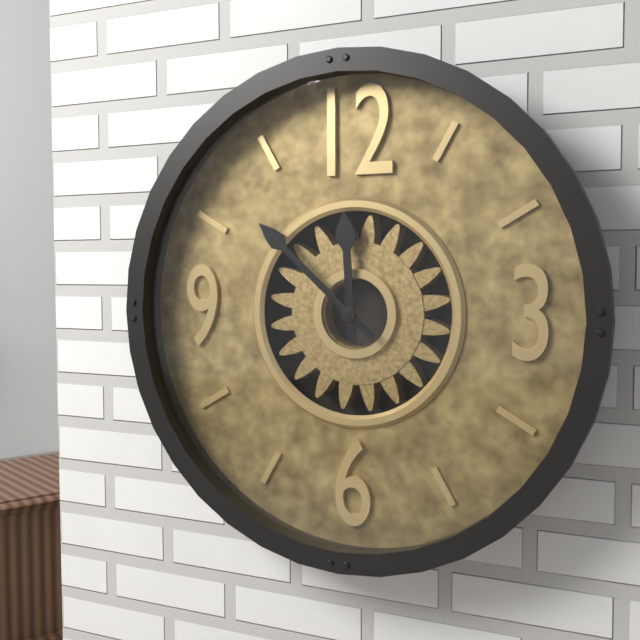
11:52
